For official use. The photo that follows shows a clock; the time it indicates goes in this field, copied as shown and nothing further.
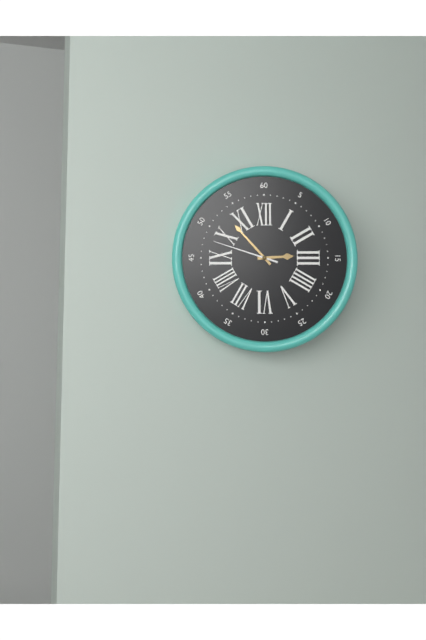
2:53:48
